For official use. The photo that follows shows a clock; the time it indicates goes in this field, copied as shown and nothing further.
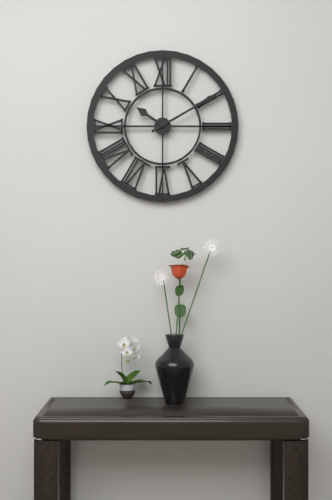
10:10
